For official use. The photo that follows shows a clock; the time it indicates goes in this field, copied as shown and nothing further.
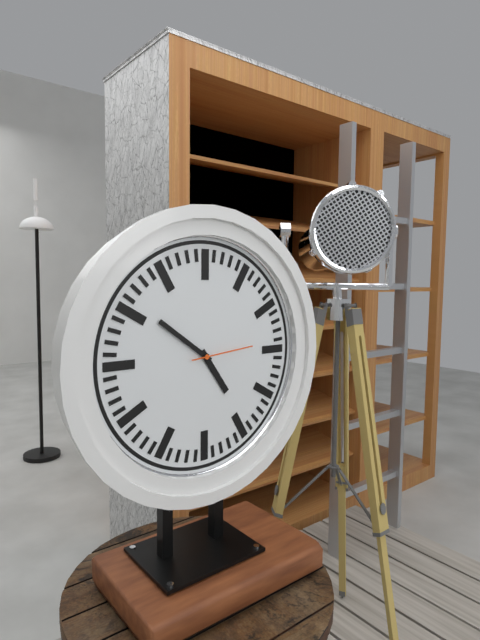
4:51:14
